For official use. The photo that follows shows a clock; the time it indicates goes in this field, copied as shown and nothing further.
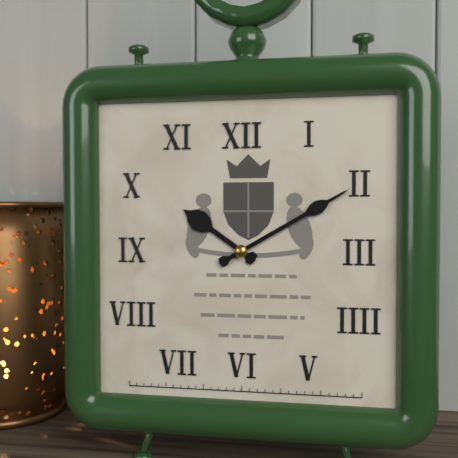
10:10
